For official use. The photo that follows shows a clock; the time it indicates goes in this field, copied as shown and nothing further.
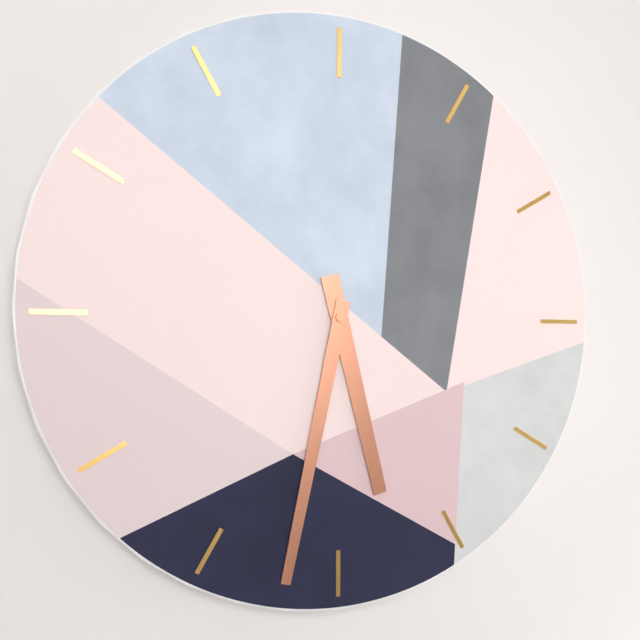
5:32
